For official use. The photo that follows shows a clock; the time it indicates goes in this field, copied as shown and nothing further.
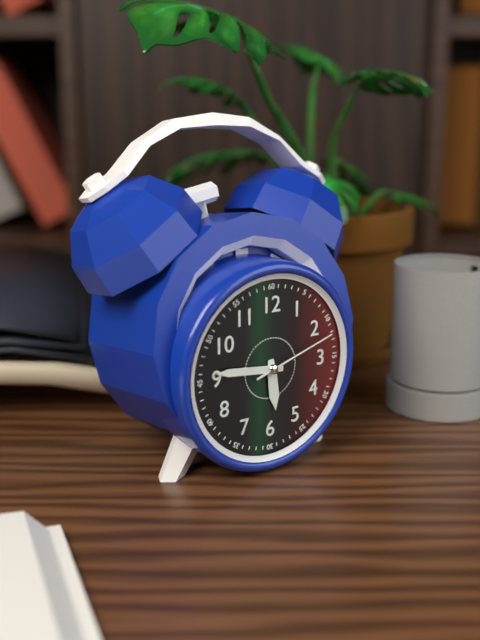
5:46:12
